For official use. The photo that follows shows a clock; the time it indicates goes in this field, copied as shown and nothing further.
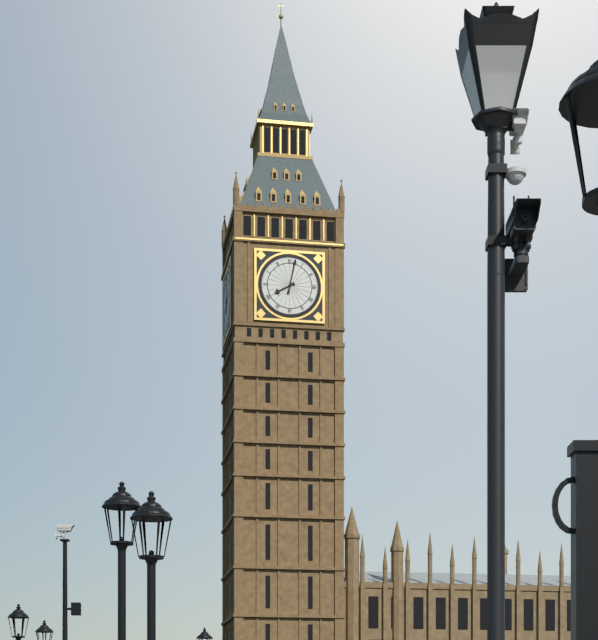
8:02
